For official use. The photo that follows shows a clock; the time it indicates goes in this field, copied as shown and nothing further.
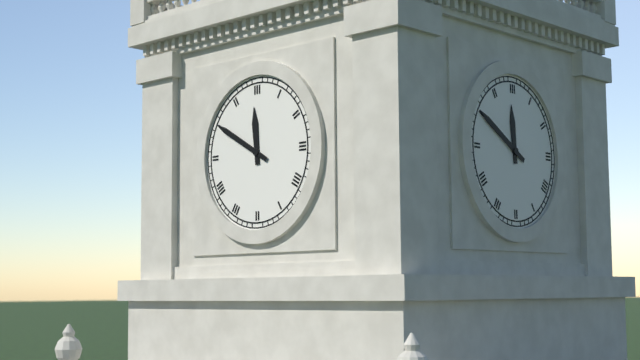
11:50
